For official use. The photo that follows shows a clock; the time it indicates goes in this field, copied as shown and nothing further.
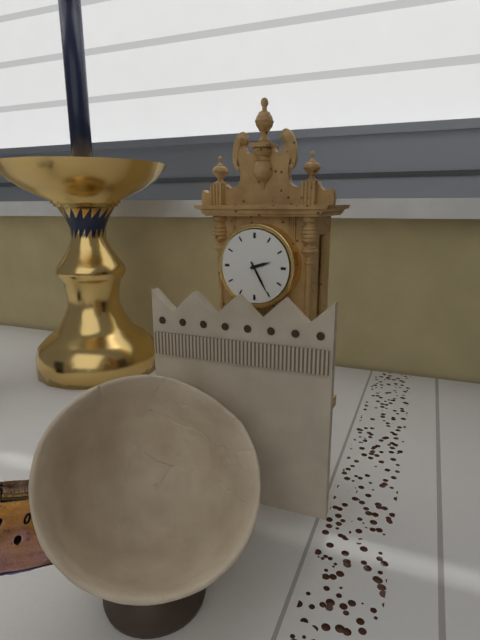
2:25
